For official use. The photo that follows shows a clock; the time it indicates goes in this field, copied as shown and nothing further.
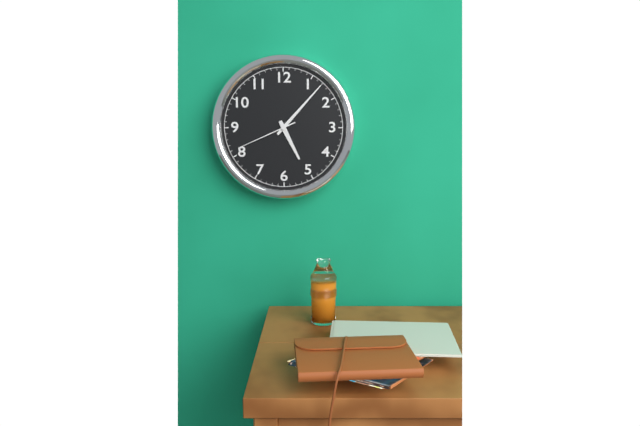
5:07:41
